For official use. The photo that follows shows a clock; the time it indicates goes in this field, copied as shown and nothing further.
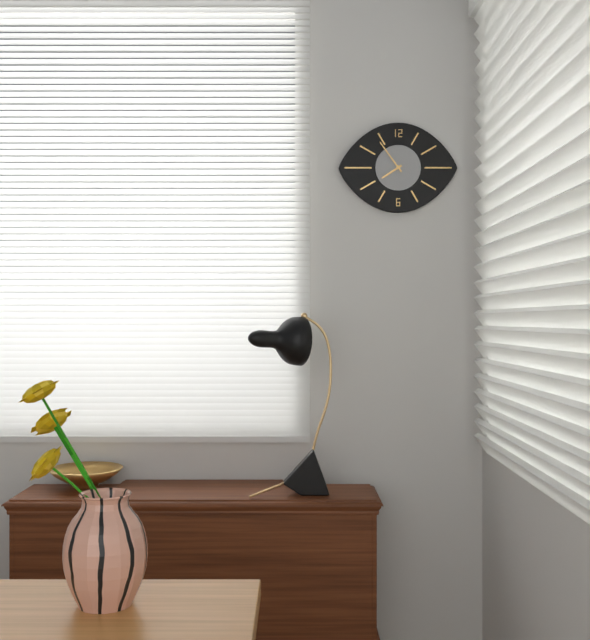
7:54
